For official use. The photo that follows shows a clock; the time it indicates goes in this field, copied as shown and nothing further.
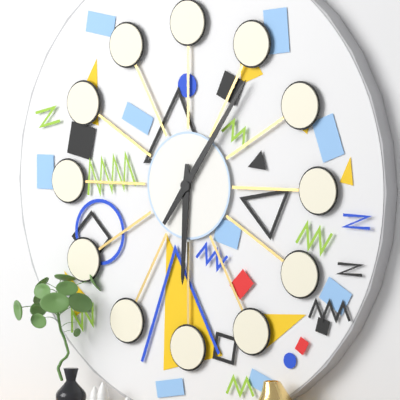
6:06
